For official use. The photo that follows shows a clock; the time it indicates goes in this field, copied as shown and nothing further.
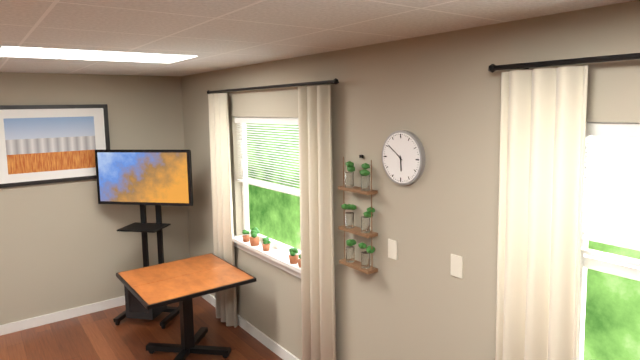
5:51
